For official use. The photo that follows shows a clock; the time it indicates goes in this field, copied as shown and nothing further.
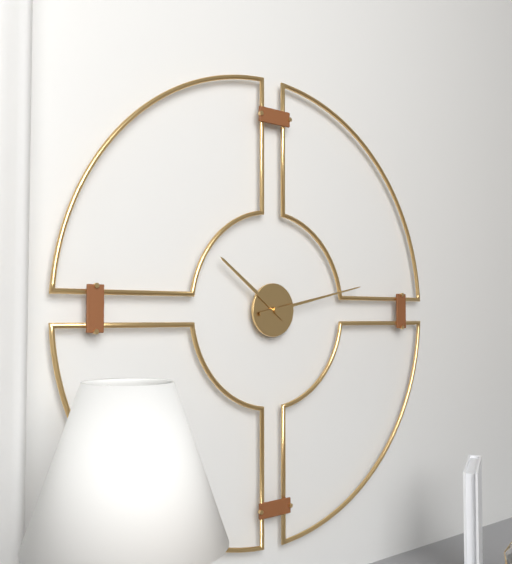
10:13
